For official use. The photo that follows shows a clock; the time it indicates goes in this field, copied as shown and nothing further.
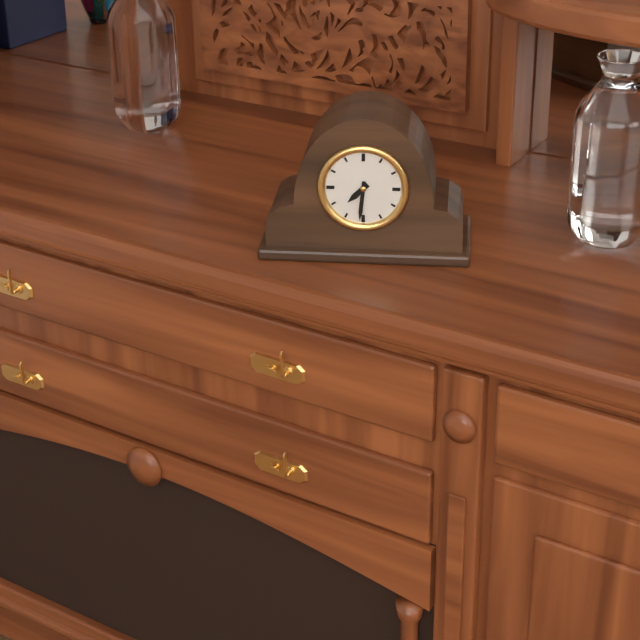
7:31
